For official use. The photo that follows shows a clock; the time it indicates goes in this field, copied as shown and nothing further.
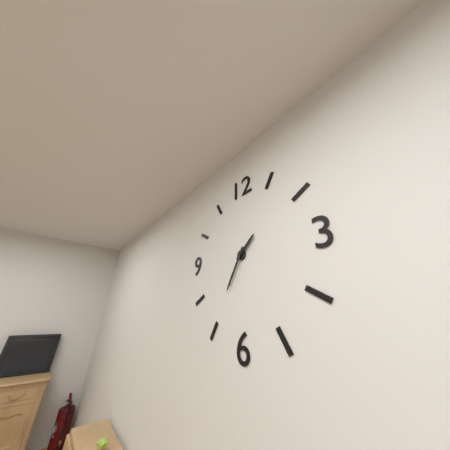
1:35
